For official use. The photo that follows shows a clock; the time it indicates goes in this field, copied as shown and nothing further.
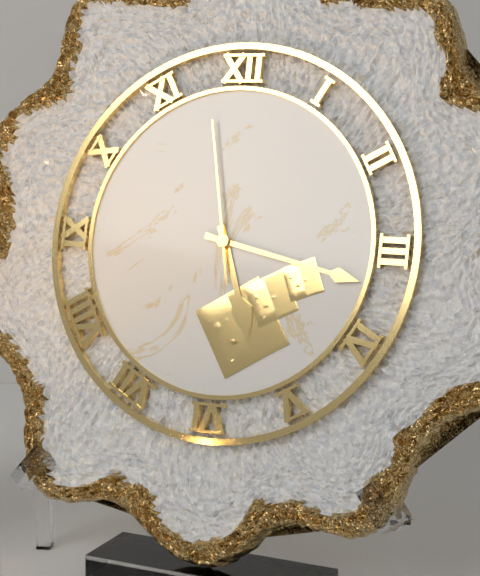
5:17:58
